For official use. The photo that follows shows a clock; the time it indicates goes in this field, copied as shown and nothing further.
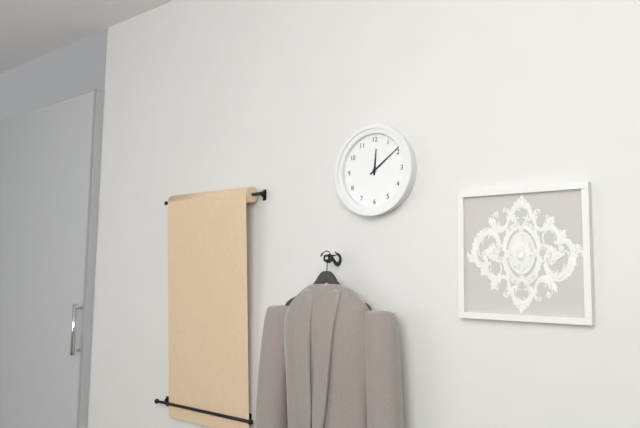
12:09
